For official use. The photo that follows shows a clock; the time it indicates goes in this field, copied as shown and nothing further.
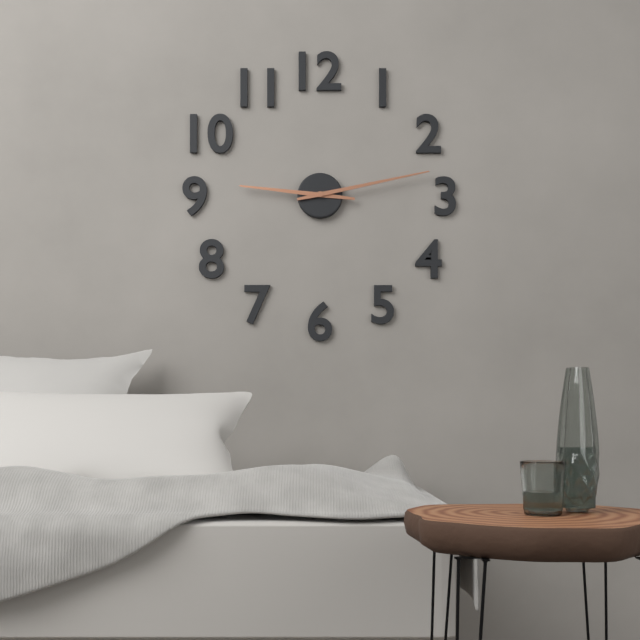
9:13
